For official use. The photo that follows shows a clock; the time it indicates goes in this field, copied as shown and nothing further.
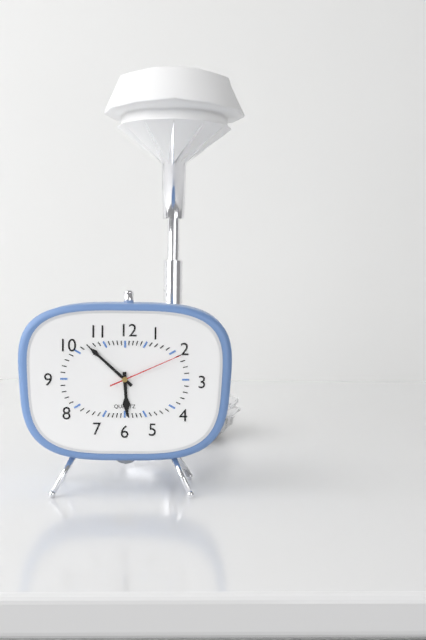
5:52:11
